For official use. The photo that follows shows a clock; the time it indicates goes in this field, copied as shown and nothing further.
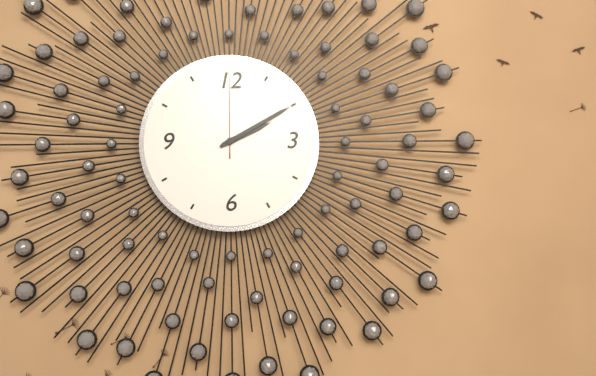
2:10:00
